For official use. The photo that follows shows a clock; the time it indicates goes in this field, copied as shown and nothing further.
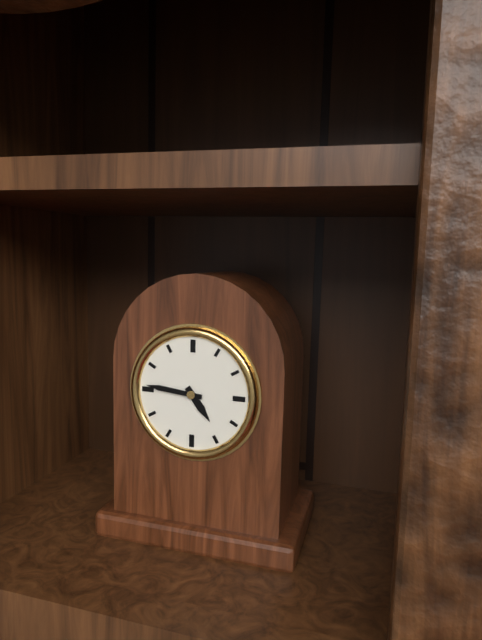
4:46
